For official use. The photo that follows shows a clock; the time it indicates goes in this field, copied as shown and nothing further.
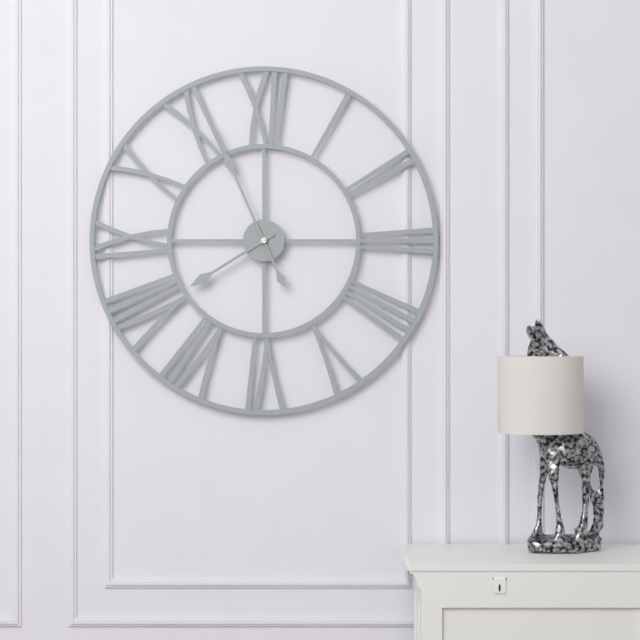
7:56
